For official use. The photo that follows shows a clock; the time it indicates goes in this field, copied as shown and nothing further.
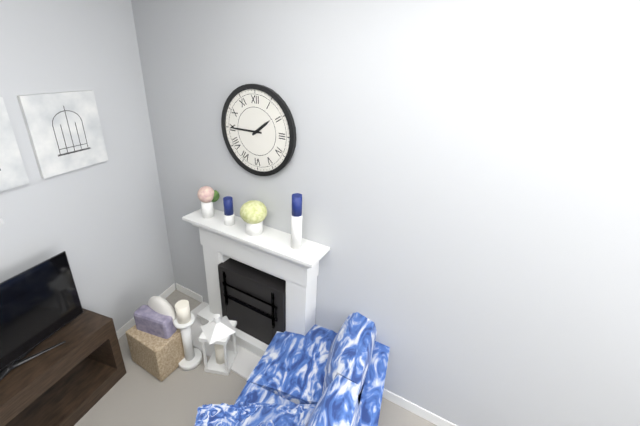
1:45
